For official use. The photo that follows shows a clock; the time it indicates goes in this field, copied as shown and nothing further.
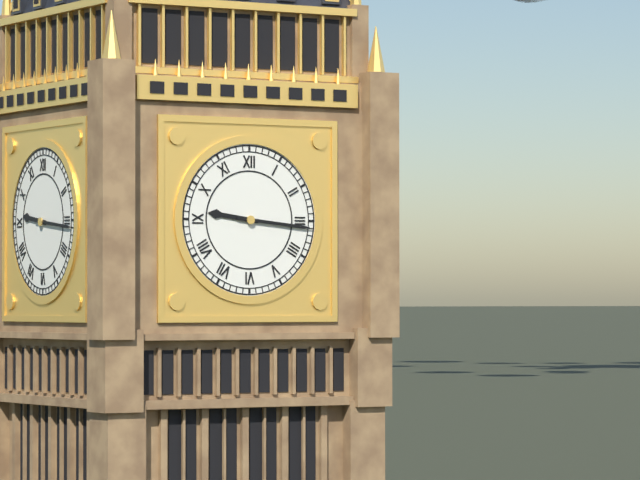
9:16
